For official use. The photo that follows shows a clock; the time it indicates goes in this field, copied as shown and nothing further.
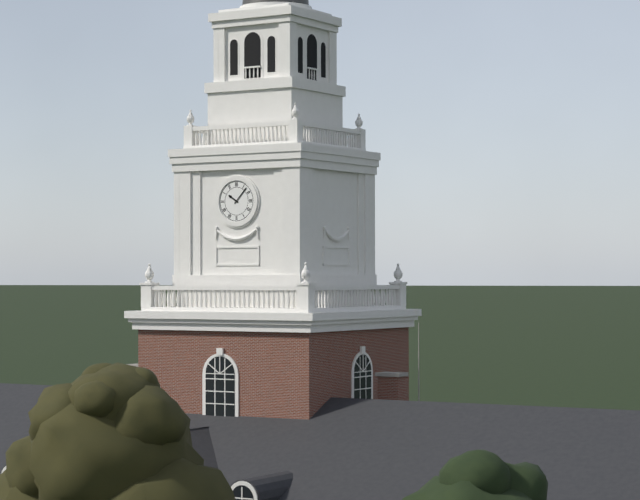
10:07
